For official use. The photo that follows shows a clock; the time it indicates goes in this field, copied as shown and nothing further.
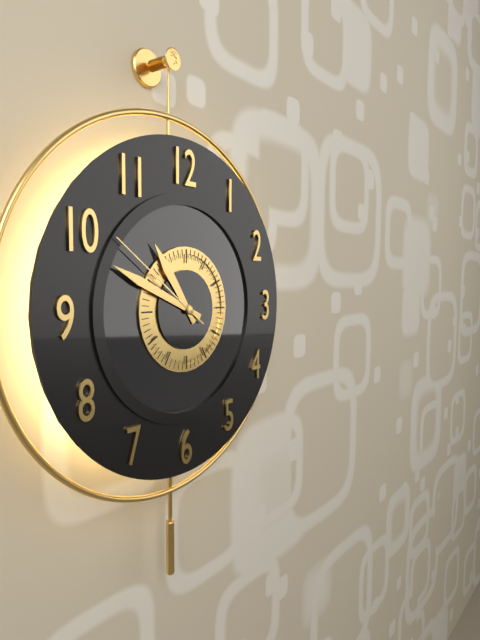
10:49:51
